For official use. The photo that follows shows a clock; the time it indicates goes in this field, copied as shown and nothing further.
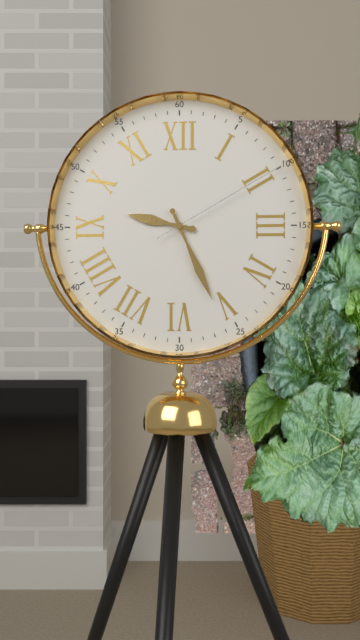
9:26:10
